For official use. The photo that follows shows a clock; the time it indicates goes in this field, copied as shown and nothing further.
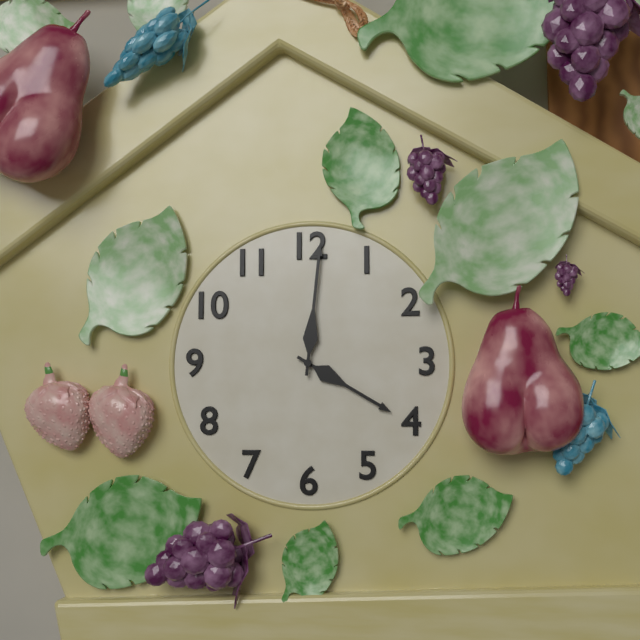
4:01
